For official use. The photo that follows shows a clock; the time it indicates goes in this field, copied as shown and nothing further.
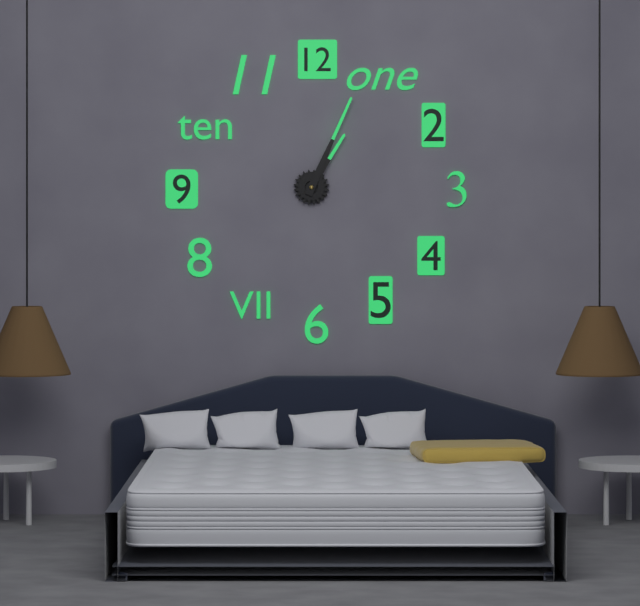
1:04
